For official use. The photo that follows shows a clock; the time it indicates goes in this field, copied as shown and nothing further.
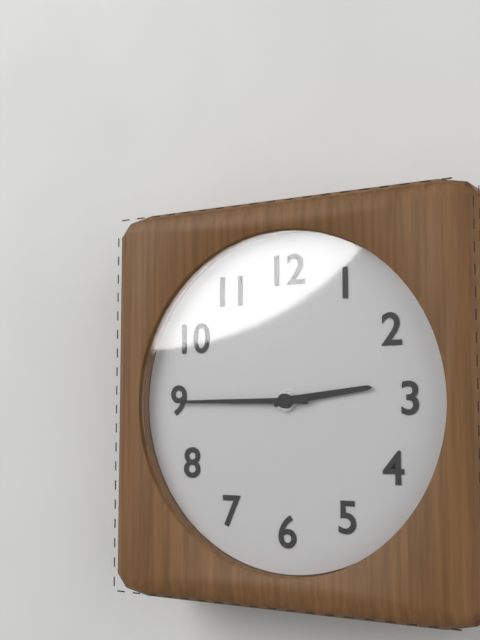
2:45
